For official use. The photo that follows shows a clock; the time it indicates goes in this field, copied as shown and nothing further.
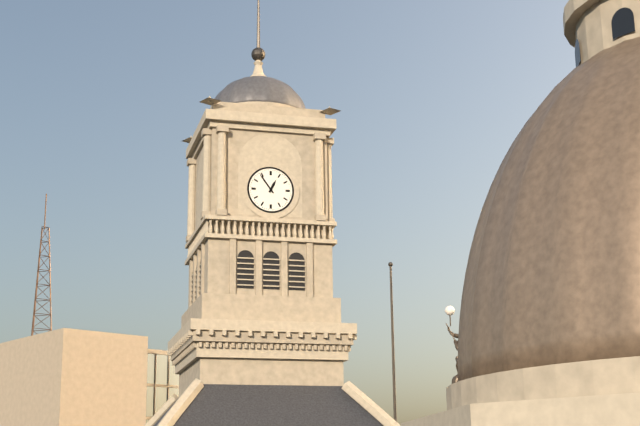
12:54
